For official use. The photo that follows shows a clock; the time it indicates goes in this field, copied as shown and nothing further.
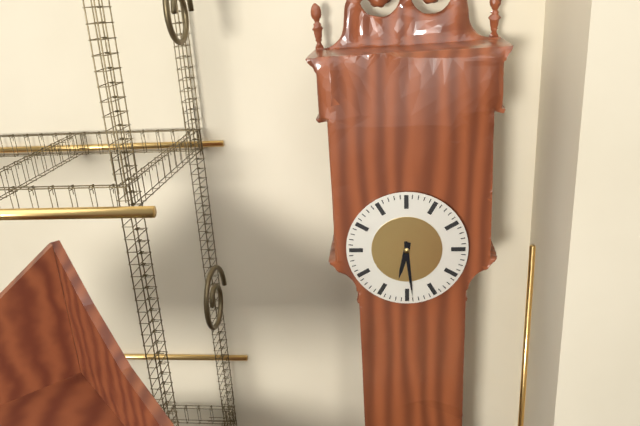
6:29
